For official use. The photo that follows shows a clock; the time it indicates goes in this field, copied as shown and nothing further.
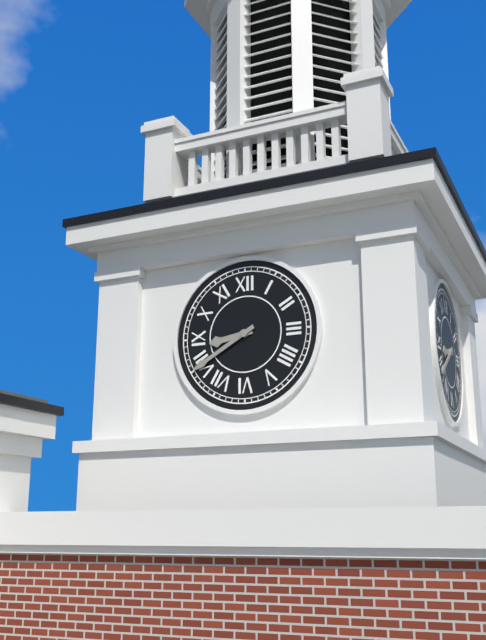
8:40
